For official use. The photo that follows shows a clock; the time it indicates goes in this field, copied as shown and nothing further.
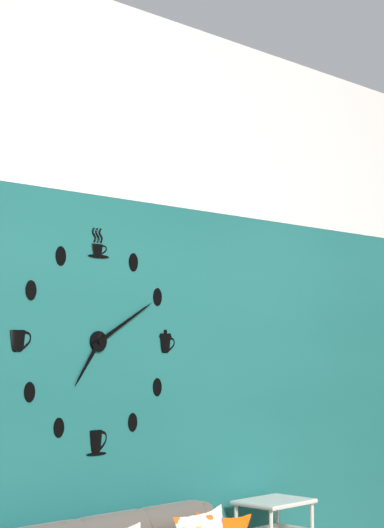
7:10
